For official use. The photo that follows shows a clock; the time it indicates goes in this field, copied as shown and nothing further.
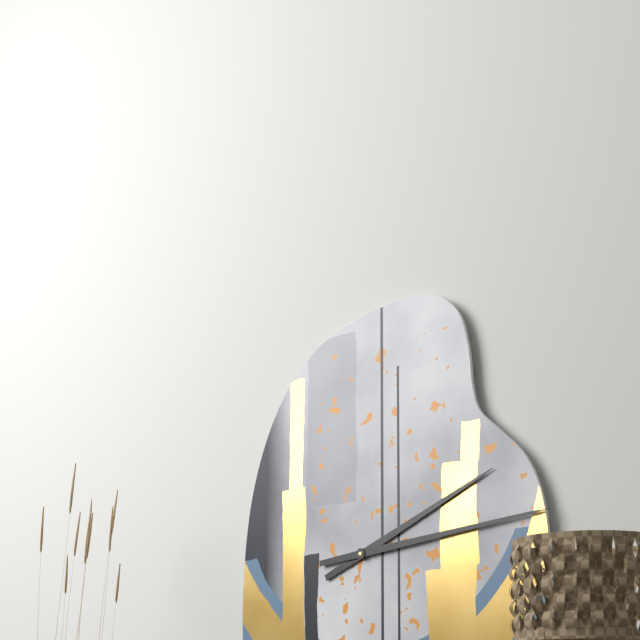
2:14
